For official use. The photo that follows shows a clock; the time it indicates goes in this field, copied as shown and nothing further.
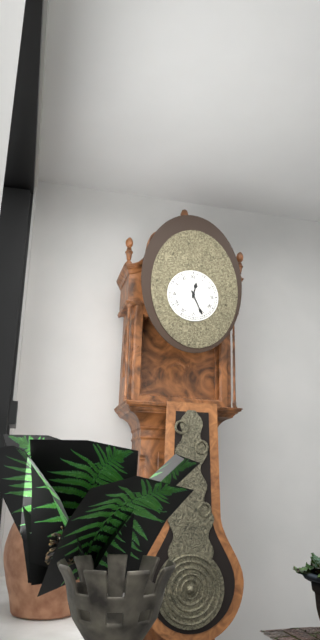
12:26
